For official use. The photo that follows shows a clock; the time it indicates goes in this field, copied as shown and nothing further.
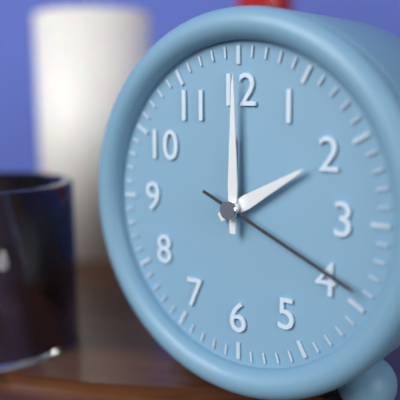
2:00:19
